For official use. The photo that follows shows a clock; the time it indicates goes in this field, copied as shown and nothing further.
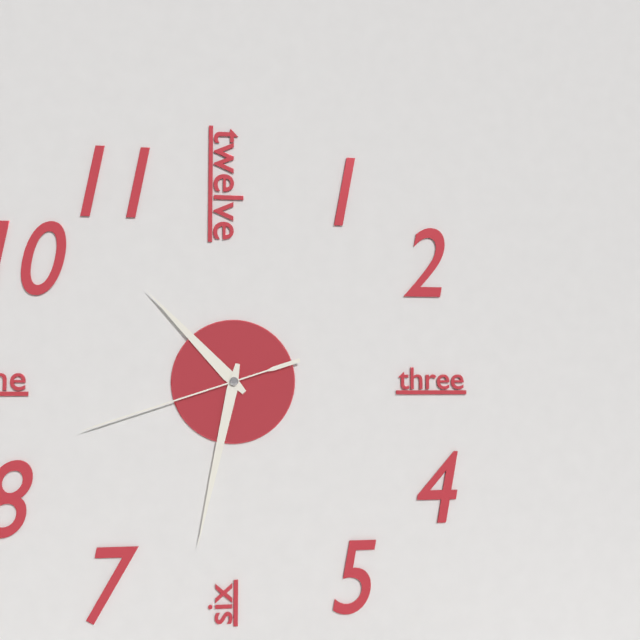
10:32:42
